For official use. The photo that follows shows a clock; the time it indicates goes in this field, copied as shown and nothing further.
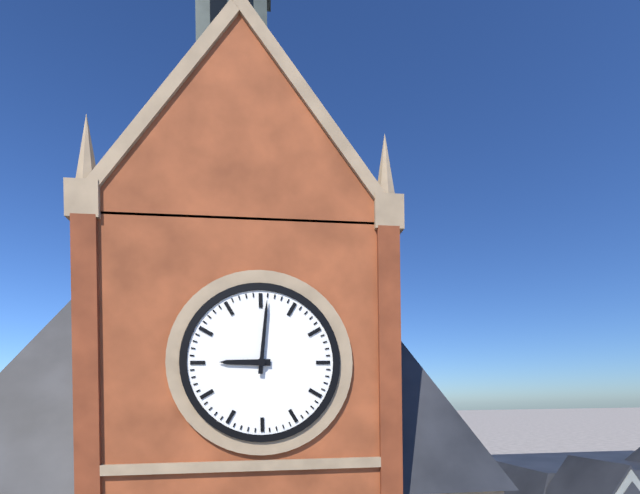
9:01
